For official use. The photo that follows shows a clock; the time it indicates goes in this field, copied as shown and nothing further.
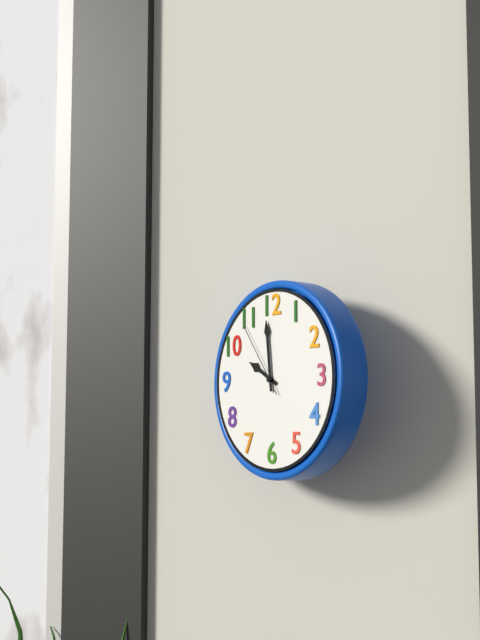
9:59:54
